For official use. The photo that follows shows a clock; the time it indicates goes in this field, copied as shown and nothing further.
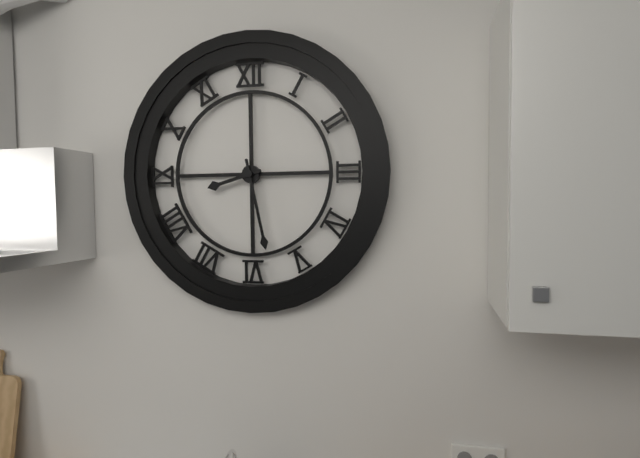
8:28
